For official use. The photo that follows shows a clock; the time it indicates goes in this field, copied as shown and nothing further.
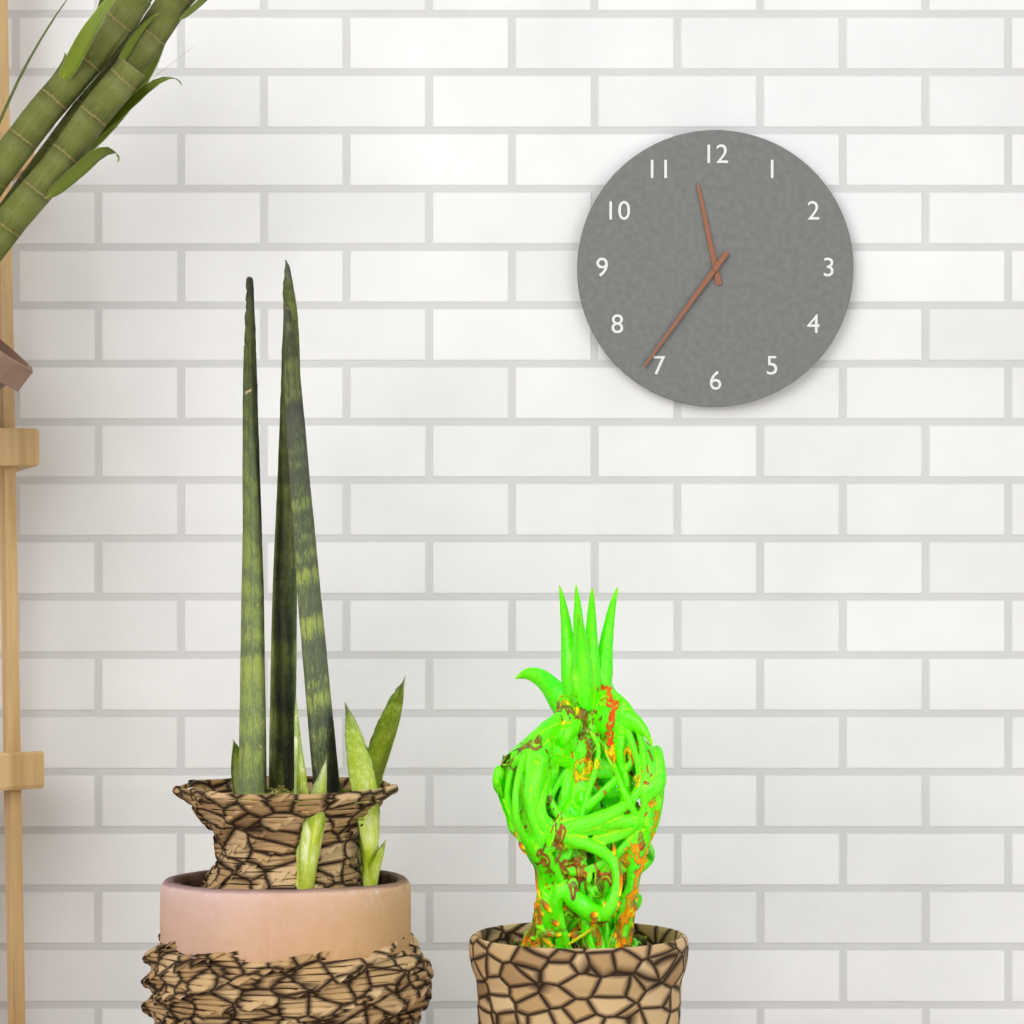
11:36
